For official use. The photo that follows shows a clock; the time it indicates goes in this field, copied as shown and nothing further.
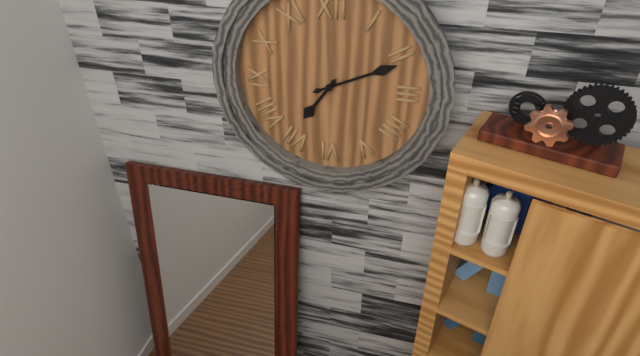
7:11
